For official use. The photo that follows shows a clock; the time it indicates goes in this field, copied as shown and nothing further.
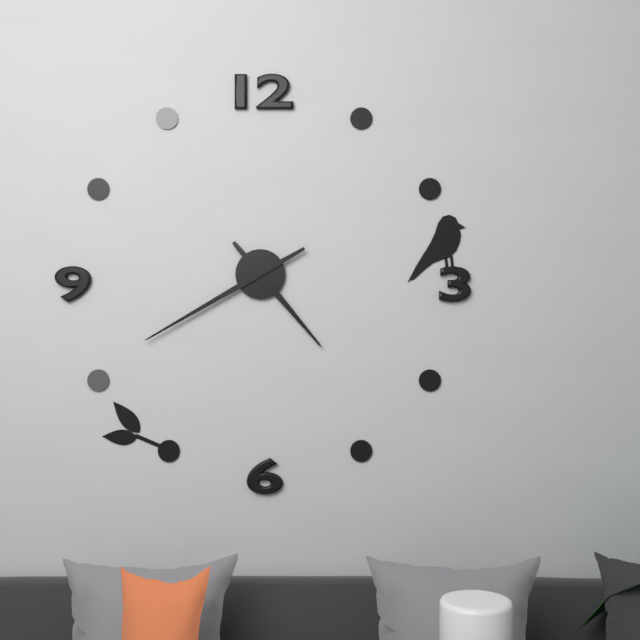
4:40
